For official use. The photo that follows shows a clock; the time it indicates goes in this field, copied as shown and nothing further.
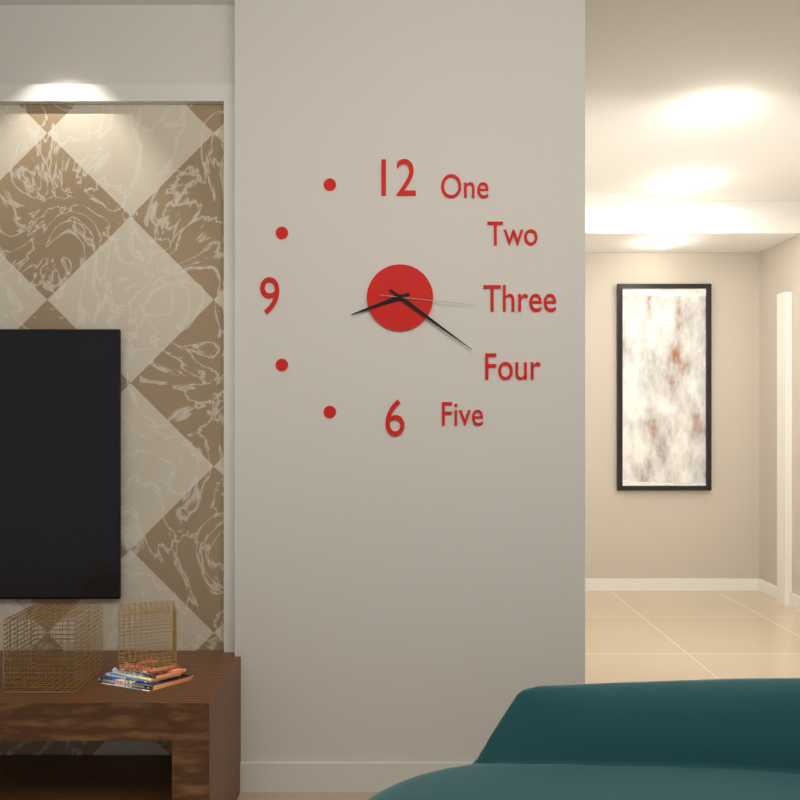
8:21:16
